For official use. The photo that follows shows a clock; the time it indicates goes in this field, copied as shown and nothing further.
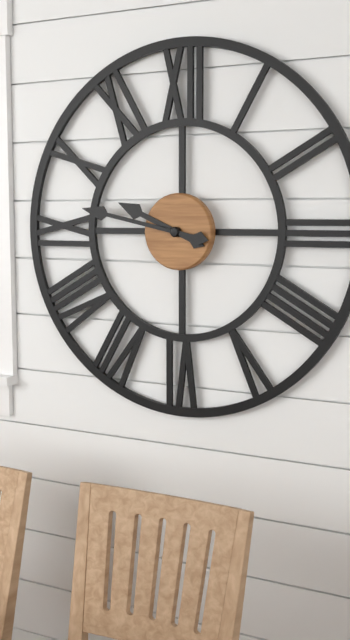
9:47
